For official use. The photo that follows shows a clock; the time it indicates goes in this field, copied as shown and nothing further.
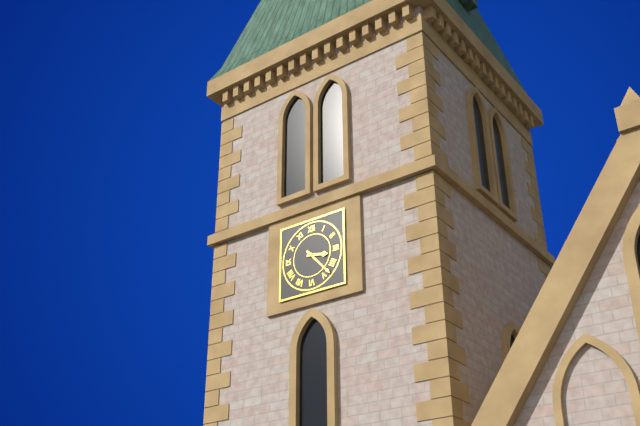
3:23
